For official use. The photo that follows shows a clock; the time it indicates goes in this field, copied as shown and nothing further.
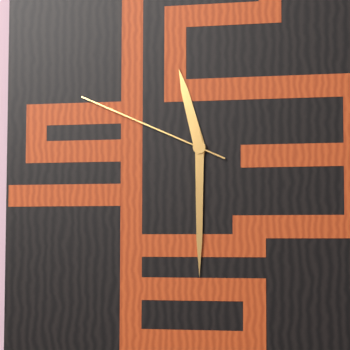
11:30:49
